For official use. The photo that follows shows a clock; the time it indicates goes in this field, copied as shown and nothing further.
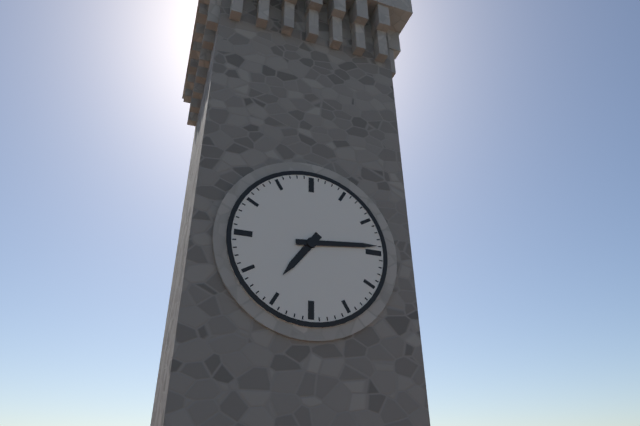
7:14
